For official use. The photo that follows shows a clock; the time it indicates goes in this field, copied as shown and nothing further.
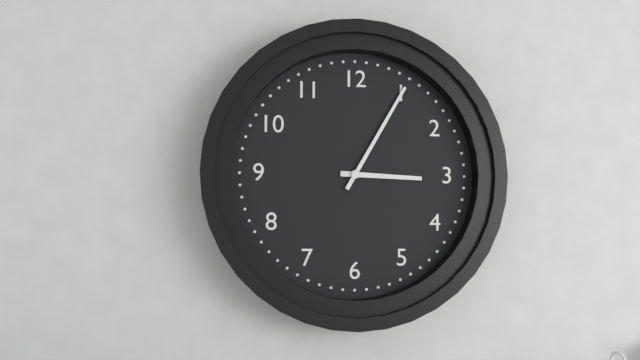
3:05
